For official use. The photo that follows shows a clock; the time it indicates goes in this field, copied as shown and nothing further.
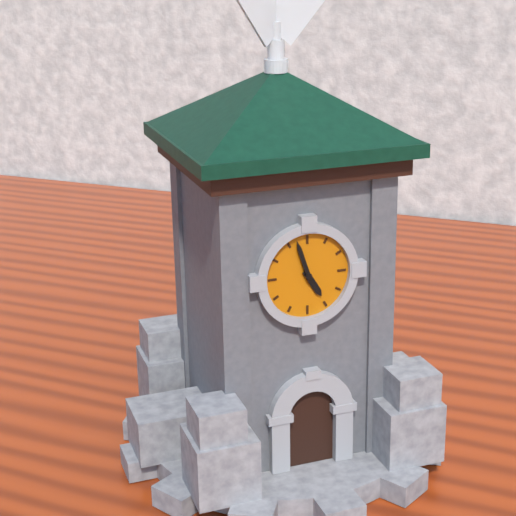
4:57
